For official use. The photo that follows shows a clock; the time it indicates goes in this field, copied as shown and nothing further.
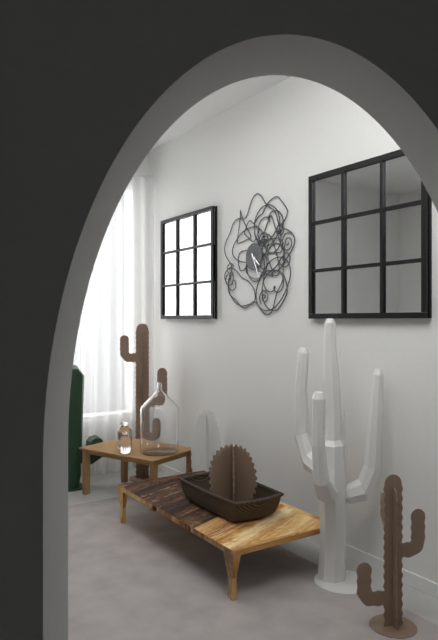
4:26
